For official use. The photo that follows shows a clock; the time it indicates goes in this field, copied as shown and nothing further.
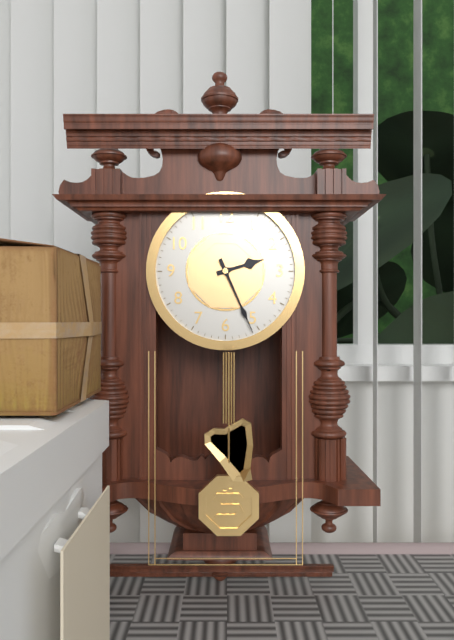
2:26
